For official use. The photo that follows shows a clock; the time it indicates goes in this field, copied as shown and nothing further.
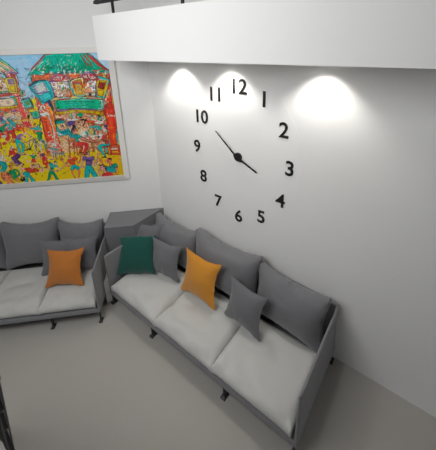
3:52
